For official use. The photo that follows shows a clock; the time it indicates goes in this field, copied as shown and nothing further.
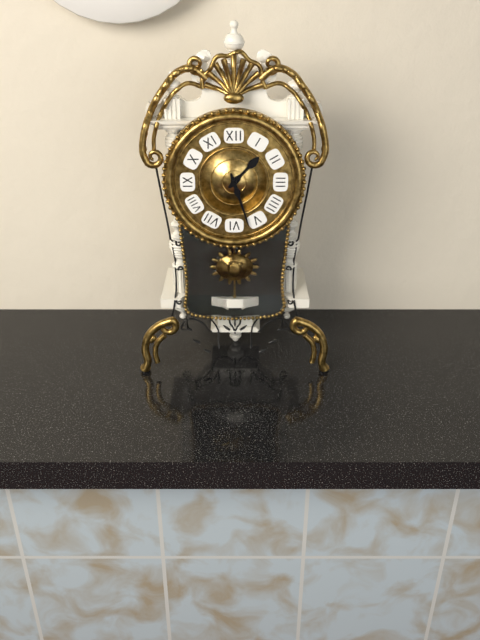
1:27
